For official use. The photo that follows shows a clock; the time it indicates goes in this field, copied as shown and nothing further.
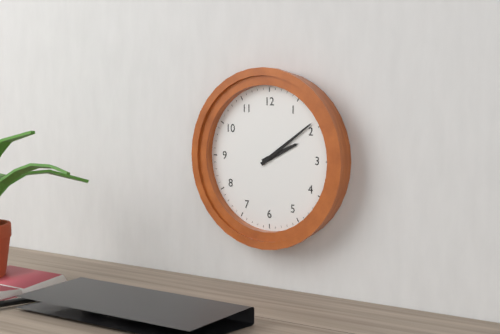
2:09
